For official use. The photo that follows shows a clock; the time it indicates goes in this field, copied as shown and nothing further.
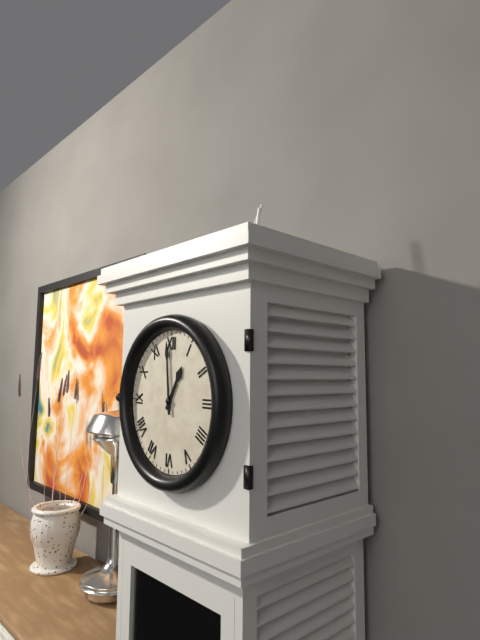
12:59
